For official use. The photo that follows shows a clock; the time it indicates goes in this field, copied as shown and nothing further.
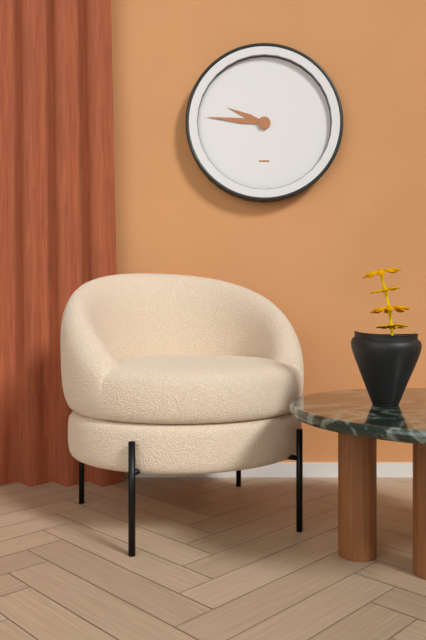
9:46
